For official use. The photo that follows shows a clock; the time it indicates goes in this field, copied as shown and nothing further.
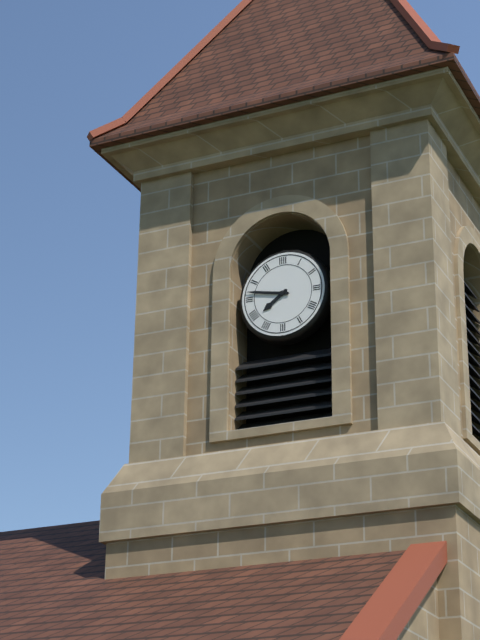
7:47
